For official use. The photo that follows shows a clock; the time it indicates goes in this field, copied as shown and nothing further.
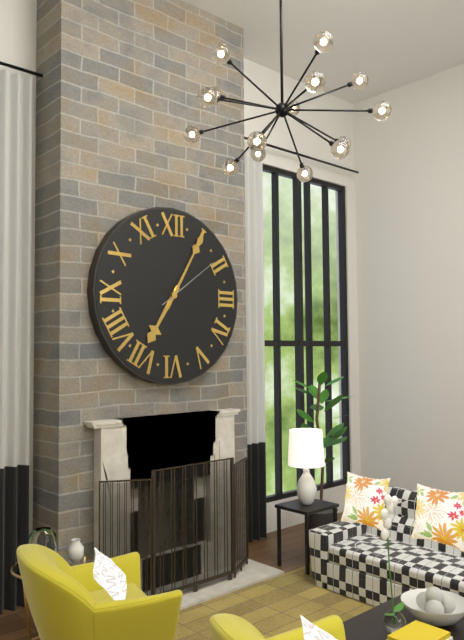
7:05:09
